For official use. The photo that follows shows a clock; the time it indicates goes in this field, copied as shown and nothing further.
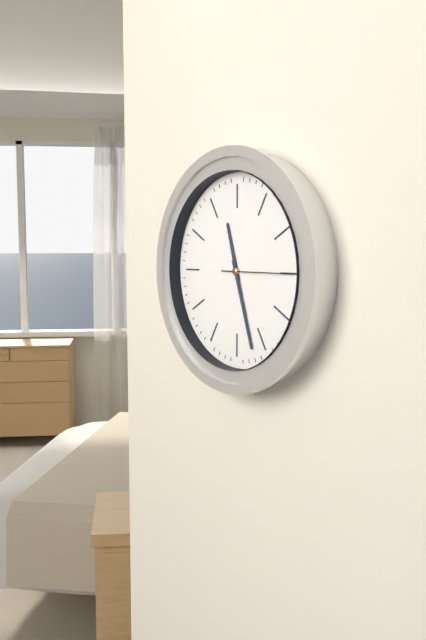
11:27:15
